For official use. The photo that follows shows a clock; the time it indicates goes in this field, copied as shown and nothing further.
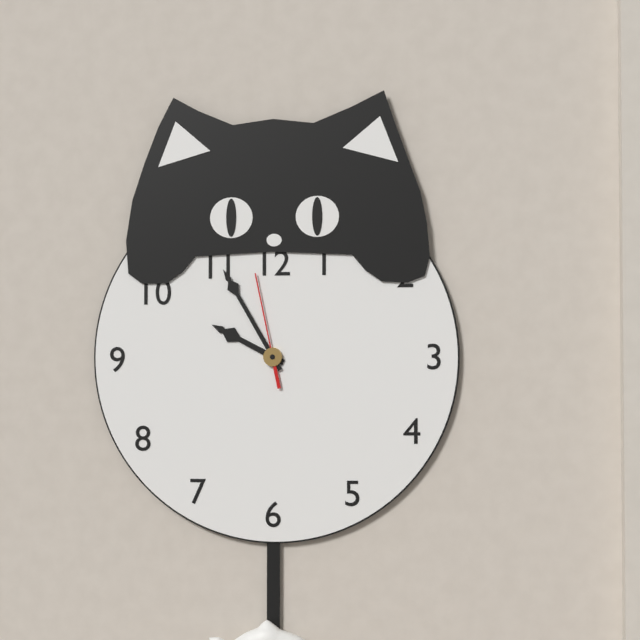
9:55:58
